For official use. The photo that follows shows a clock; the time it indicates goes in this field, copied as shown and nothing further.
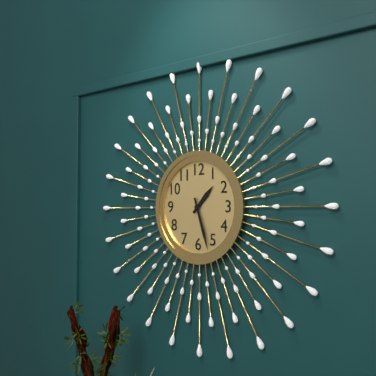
1:27
